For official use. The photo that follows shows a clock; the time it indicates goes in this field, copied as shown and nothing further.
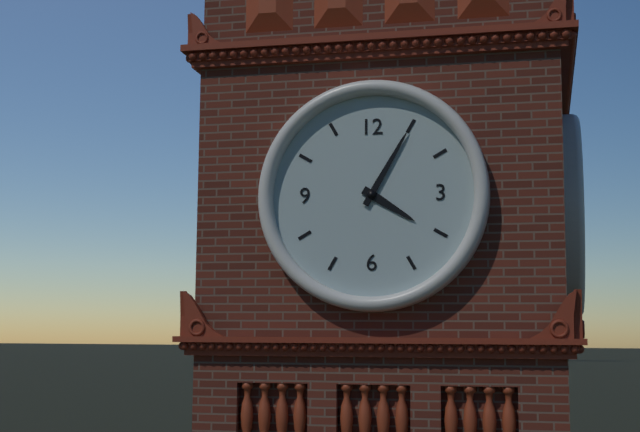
4:05
